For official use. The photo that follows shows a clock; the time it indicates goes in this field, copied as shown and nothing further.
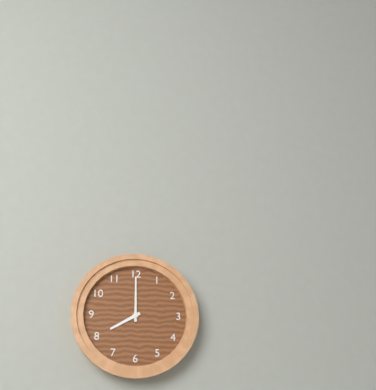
8:00
